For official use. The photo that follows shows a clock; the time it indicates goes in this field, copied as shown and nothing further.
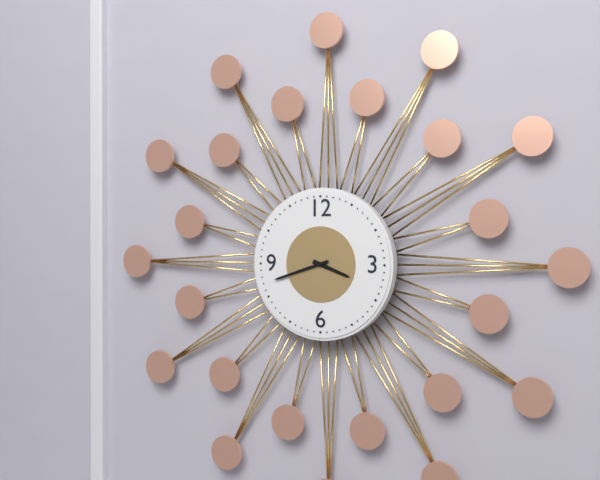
3:42
